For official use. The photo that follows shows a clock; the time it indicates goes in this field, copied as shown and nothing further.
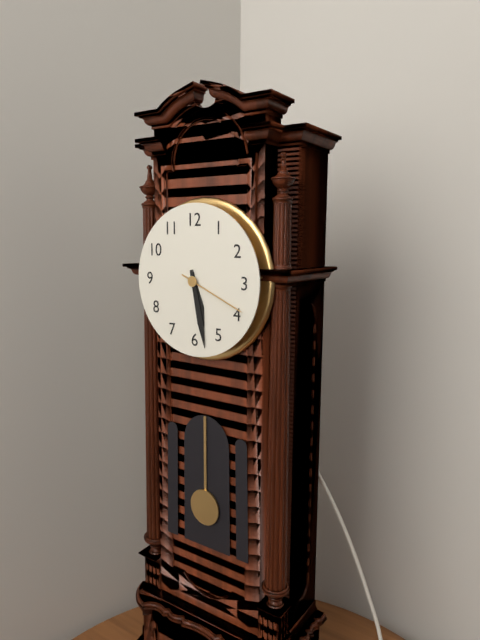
5:28:19
